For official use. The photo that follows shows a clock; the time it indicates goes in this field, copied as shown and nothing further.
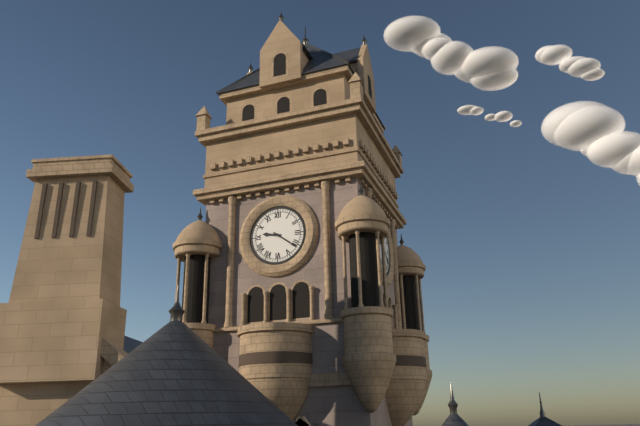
9:21
